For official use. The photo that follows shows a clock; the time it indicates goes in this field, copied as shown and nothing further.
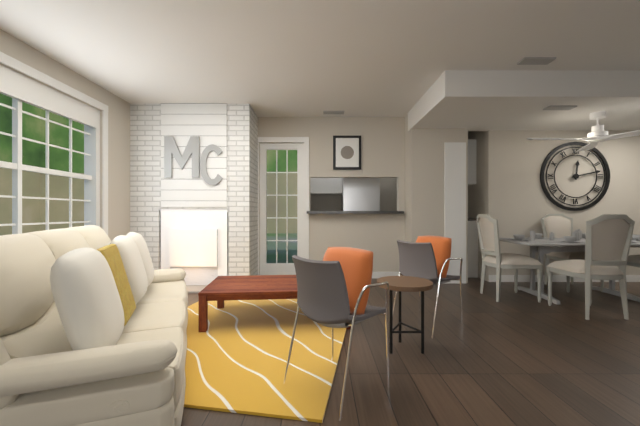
12:13
